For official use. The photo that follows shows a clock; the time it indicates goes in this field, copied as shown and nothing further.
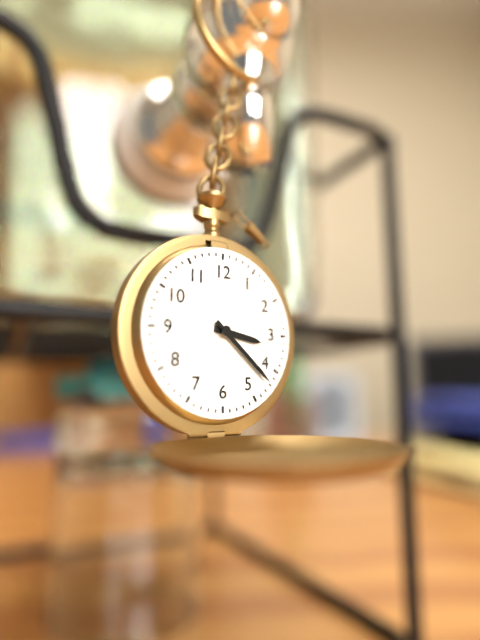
3:22
